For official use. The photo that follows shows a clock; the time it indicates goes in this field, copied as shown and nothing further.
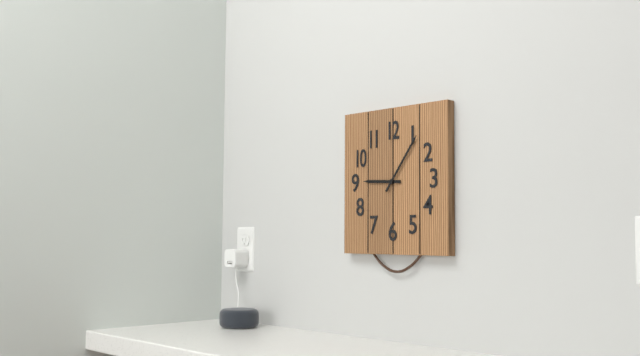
9:06
